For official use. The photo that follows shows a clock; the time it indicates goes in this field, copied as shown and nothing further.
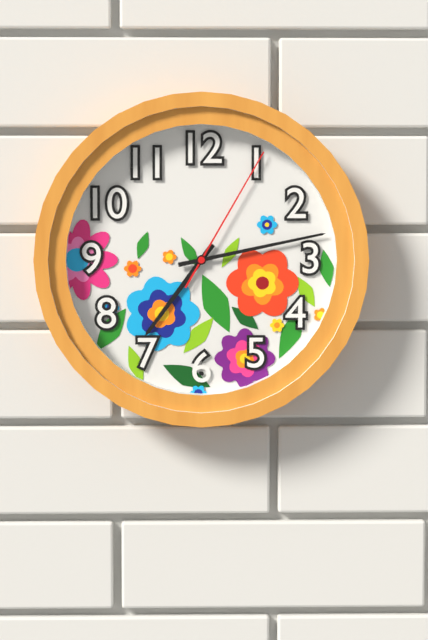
7:13:05
